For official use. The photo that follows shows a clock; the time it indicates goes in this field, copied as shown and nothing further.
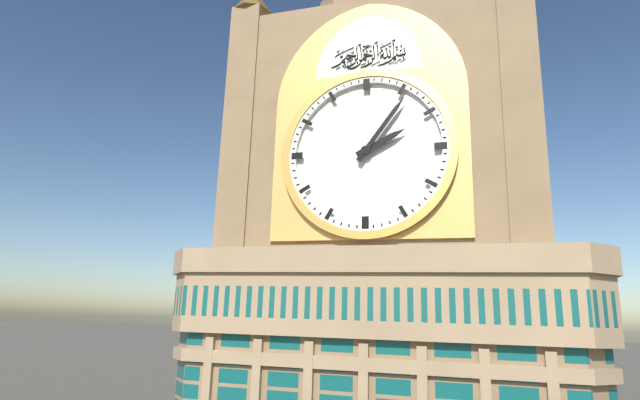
2:06
